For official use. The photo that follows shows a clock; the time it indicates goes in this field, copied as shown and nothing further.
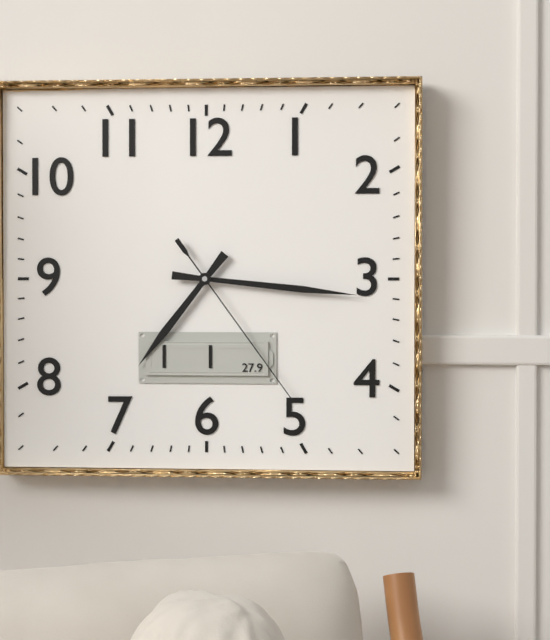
7:16:24
